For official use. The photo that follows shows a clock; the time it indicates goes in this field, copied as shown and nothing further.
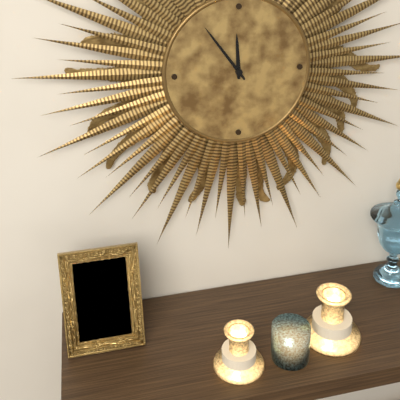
11:54
